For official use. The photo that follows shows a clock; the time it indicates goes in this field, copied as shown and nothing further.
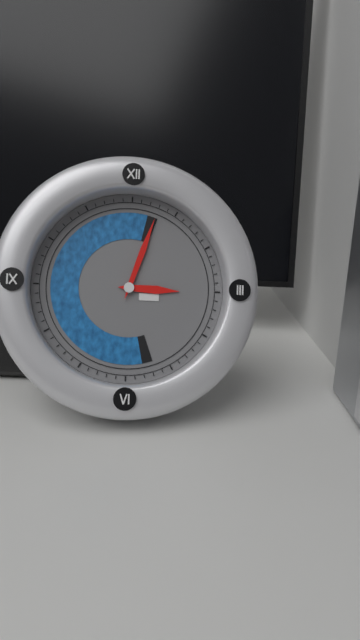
3:03
